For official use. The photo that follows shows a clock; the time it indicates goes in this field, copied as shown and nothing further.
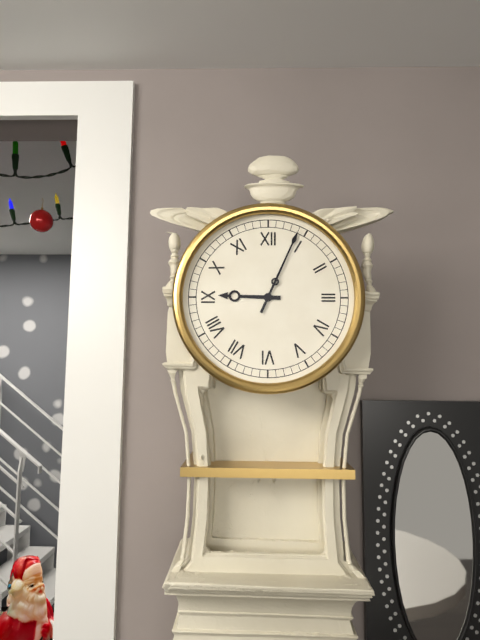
9:04
